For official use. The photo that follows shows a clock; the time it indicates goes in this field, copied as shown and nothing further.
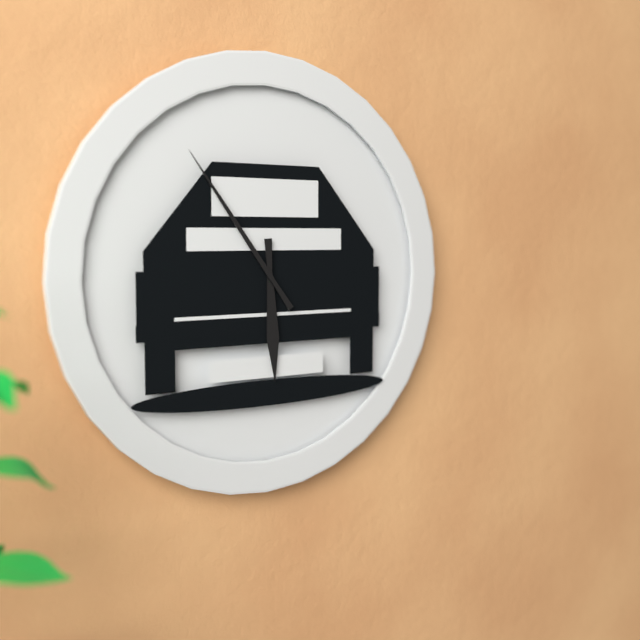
5:54
